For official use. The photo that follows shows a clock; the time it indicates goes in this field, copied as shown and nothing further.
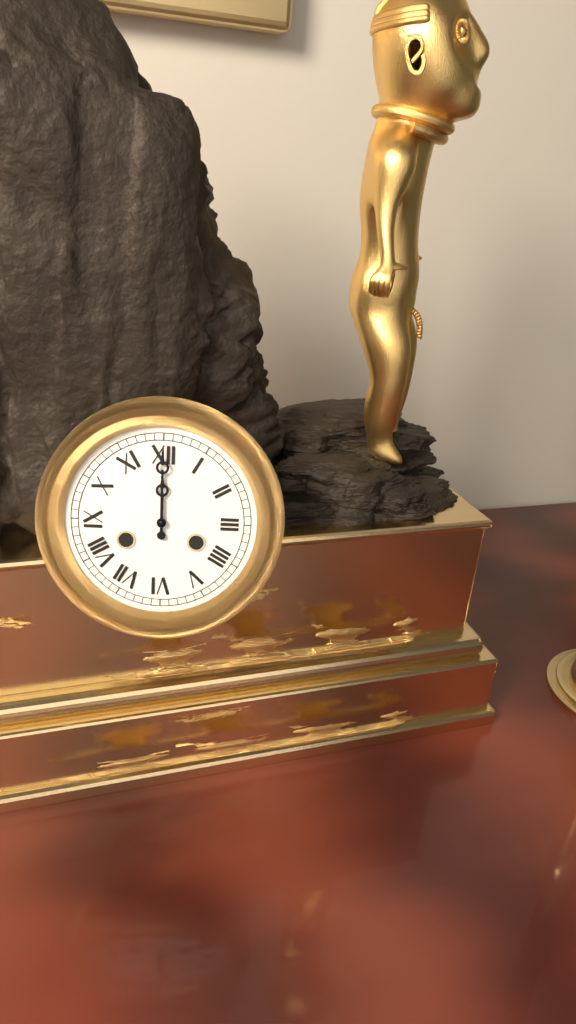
12:00
